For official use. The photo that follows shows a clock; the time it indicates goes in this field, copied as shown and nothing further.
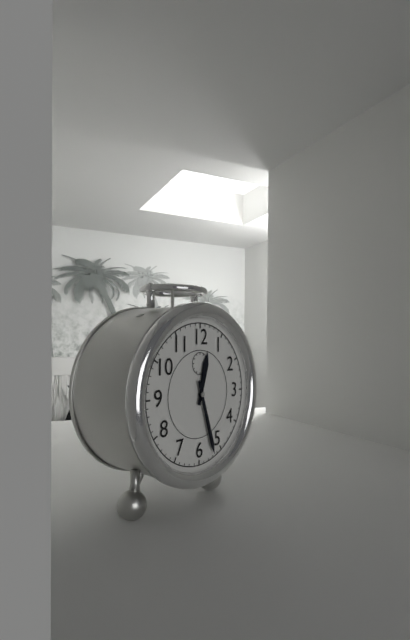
12:27
